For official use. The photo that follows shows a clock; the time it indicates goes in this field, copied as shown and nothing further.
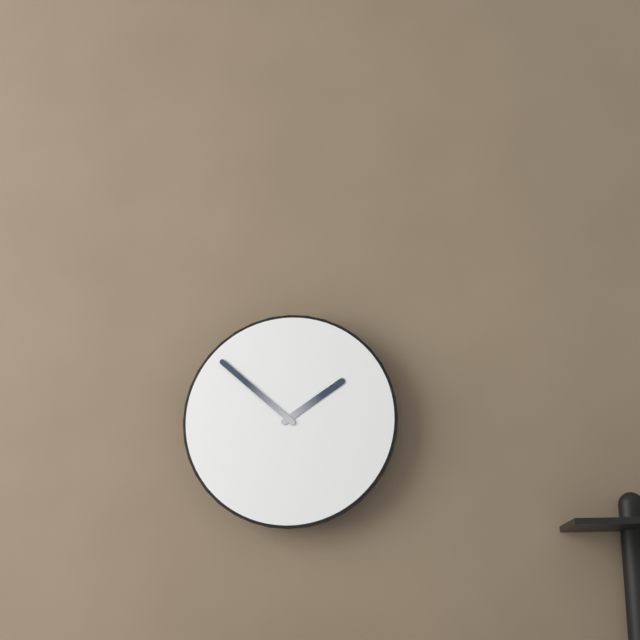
1:52
